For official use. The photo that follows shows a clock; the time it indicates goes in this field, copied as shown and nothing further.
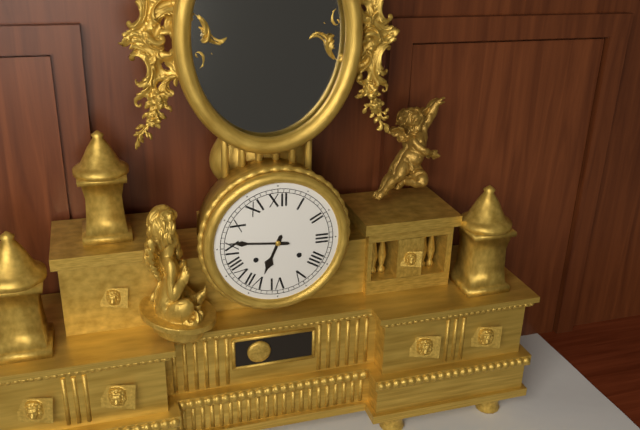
6:46
